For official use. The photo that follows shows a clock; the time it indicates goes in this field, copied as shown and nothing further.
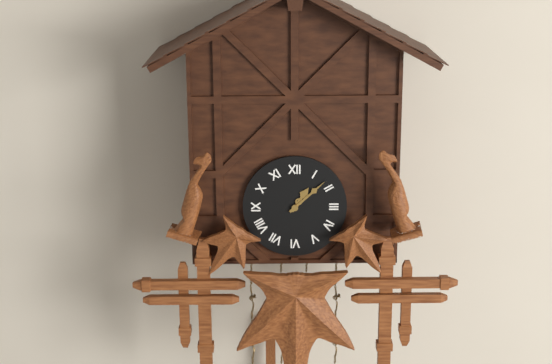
1:08
